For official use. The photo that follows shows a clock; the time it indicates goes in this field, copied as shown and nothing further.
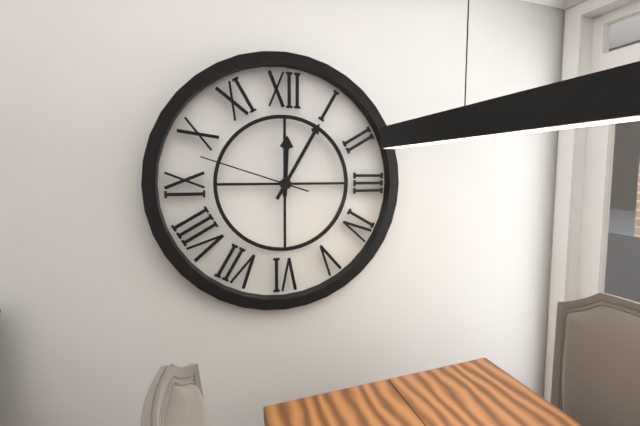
12:05:48
